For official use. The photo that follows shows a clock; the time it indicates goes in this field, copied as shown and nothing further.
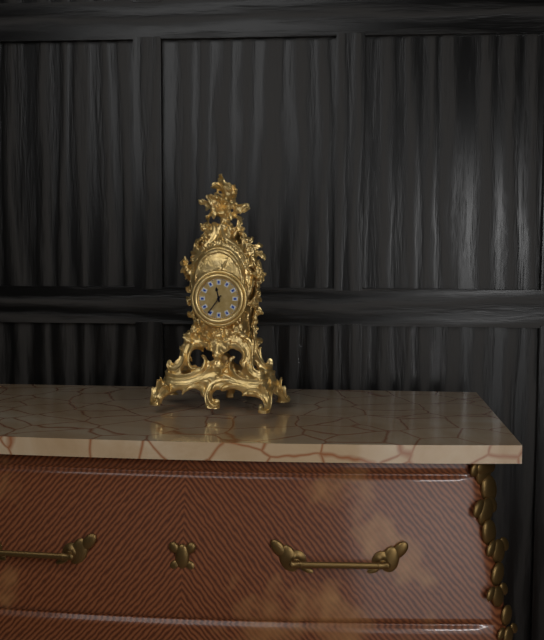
11:36
